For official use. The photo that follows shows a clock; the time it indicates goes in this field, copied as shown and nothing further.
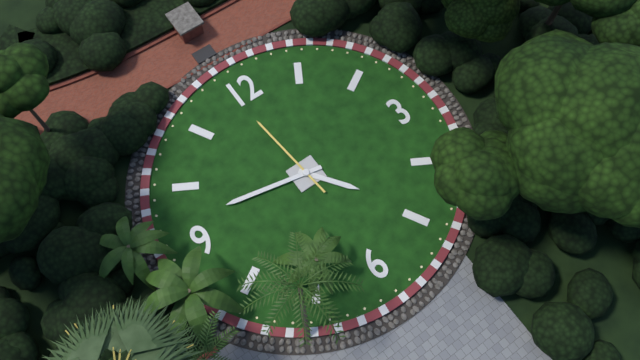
4:47:59
